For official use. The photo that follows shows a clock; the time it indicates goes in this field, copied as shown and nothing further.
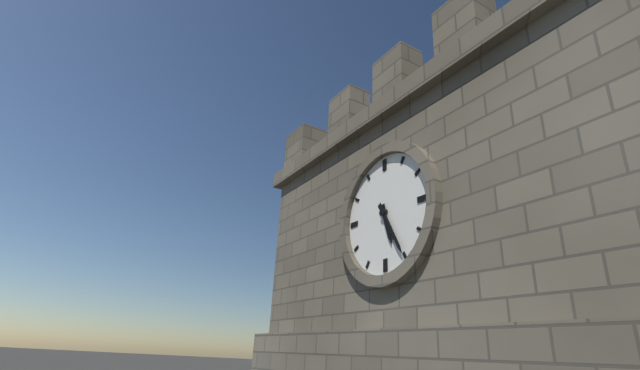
5:25
